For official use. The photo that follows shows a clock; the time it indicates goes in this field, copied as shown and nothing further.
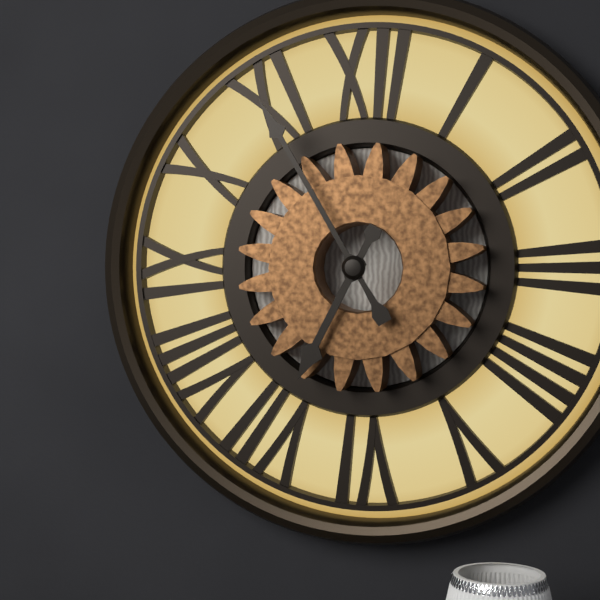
6:55
